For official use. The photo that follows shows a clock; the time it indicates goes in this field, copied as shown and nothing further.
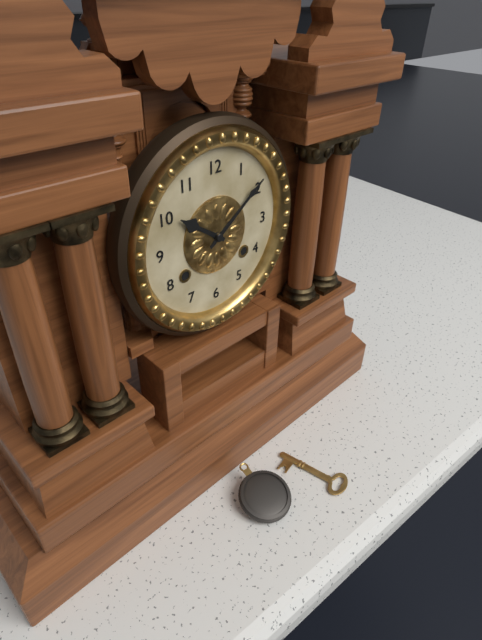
10:09
